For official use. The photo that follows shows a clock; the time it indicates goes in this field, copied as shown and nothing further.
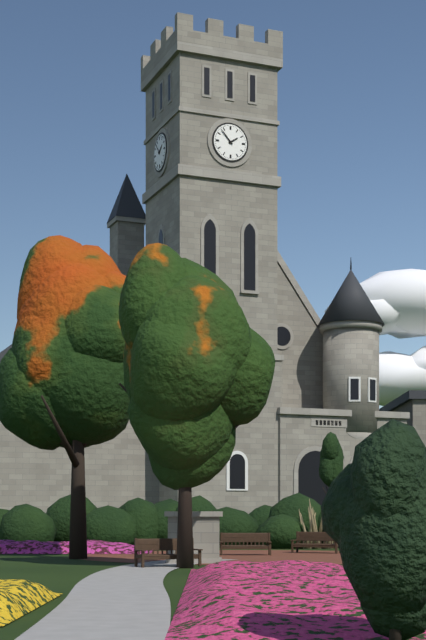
1:53
